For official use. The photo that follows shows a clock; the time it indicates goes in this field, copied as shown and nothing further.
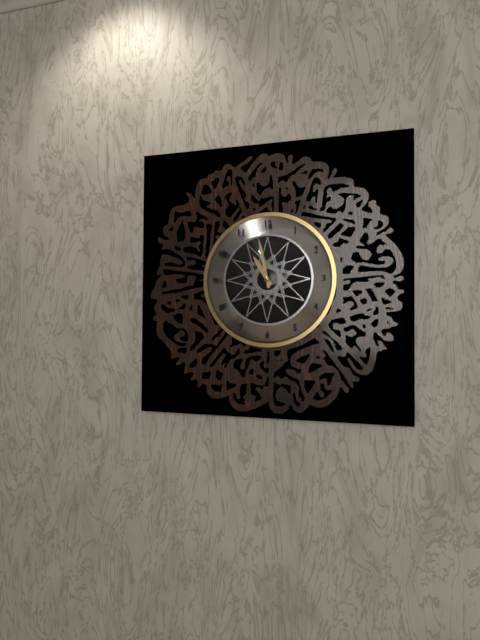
10:58
